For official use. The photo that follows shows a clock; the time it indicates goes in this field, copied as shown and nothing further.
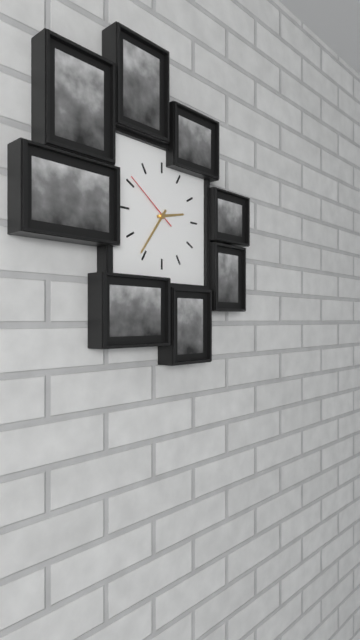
2:36:51
